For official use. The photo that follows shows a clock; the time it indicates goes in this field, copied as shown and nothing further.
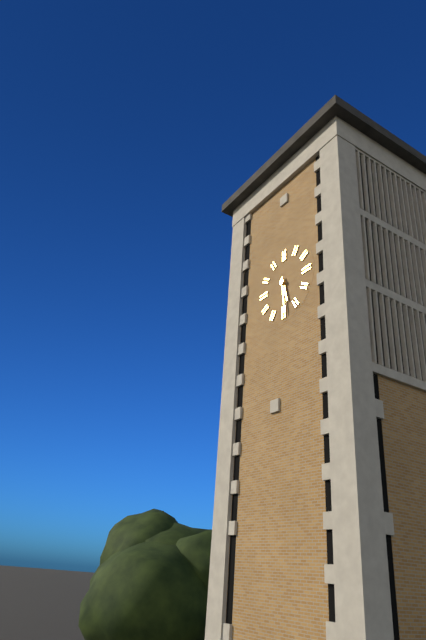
5:29
